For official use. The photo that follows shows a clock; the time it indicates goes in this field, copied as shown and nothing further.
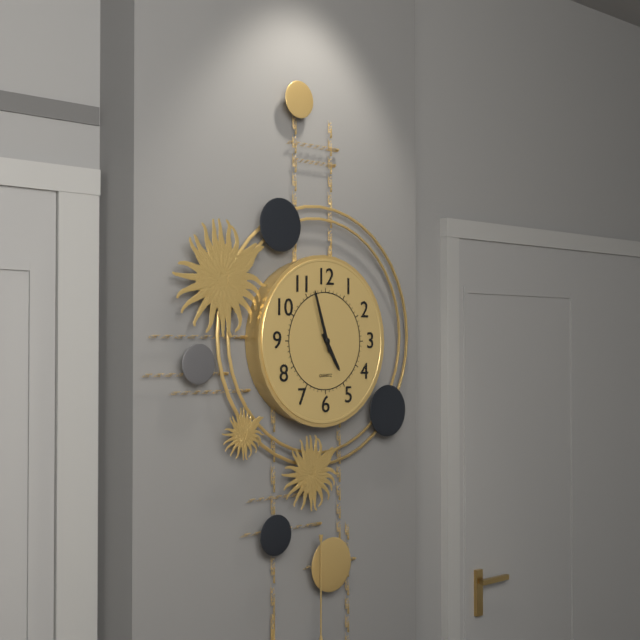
4:57
